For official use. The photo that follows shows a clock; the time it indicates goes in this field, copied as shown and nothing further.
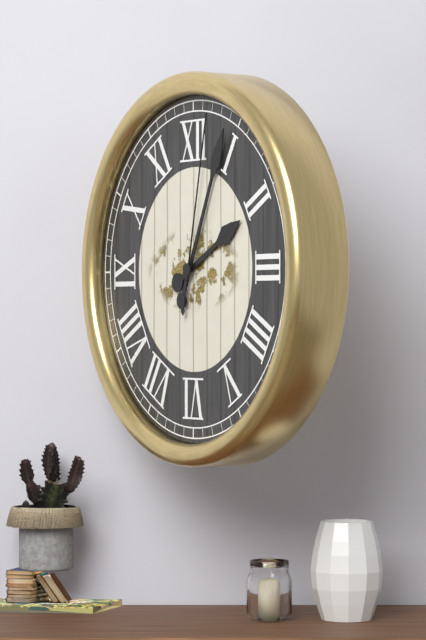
2:04:02
